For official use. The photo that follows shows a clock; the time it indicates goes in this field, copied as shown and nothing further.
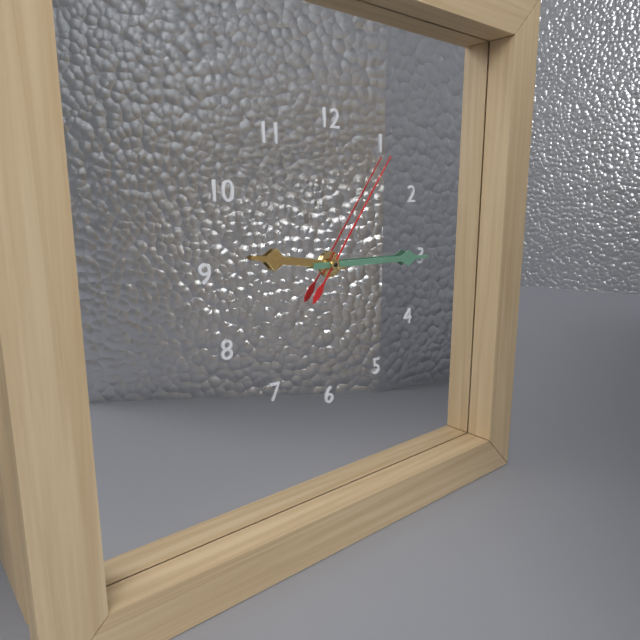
9:15:06
